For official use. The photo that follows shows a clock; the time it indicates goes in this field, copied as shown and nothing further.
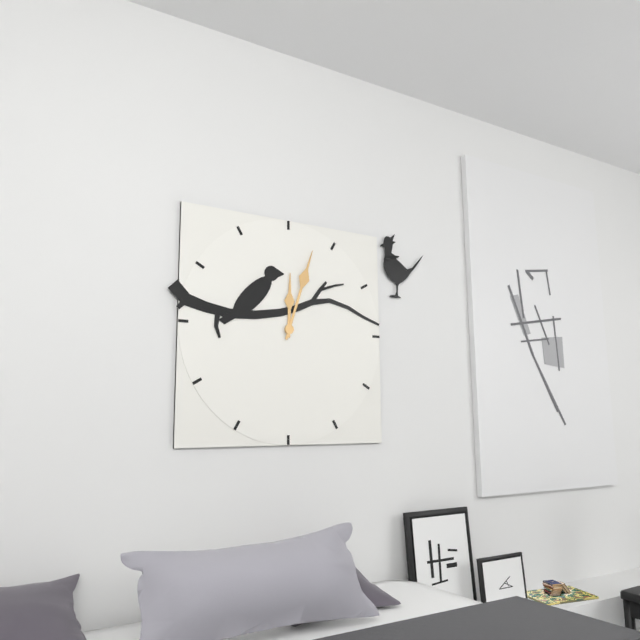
12:03
